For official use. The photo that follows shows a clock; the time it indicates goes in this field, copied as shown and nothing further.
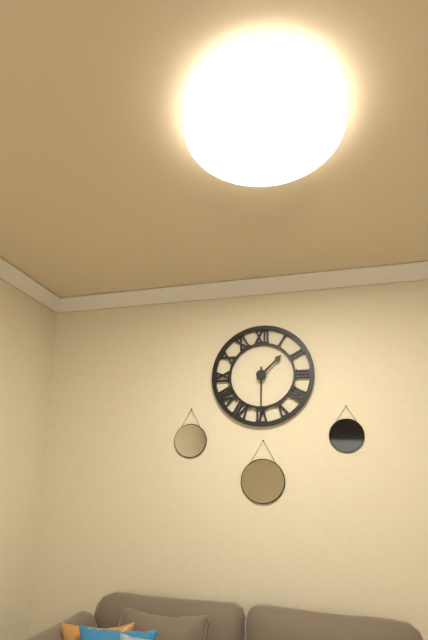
1:30
